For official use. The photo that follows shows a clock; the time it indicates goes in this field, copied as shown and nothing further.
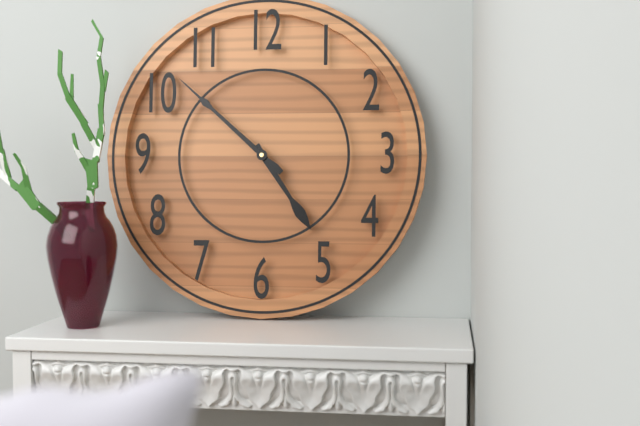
4:52
